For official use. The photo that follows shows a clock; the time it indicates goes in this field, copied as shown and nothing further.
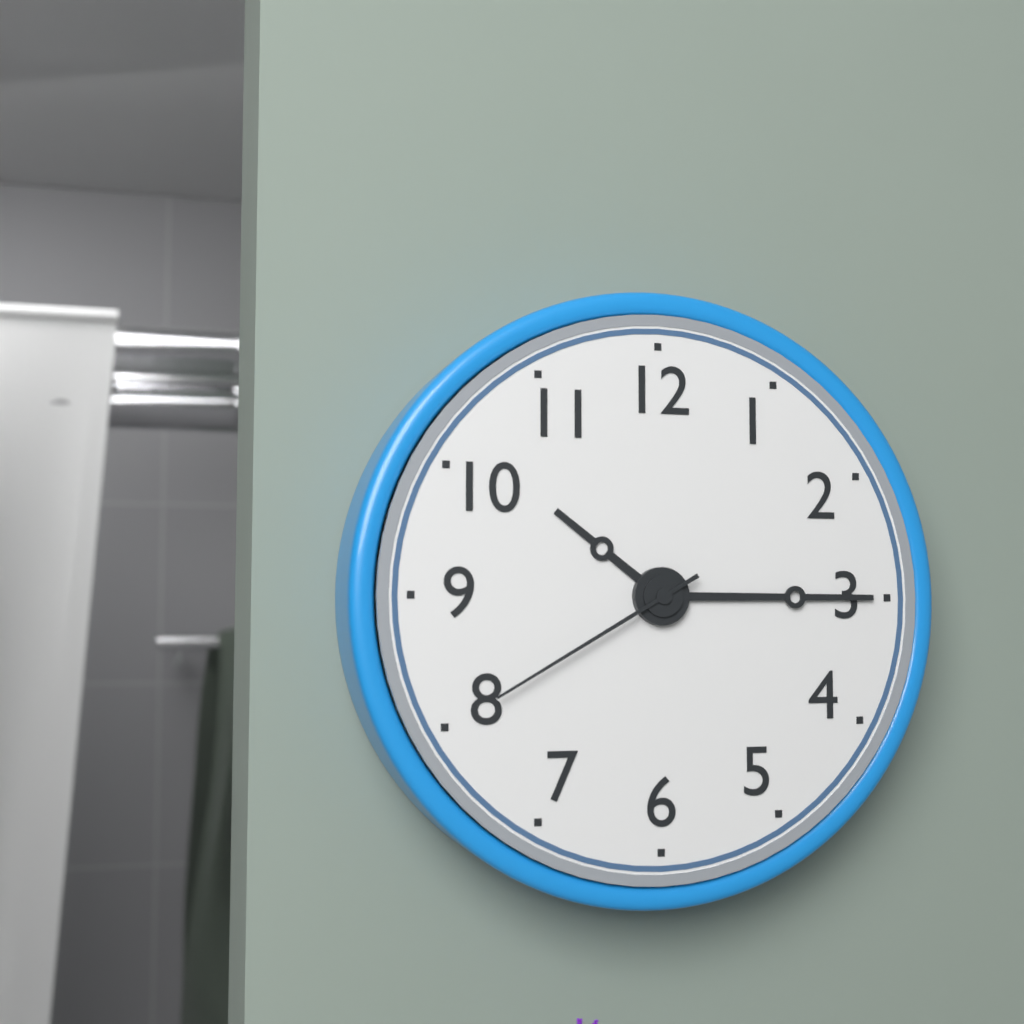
10:15:40
